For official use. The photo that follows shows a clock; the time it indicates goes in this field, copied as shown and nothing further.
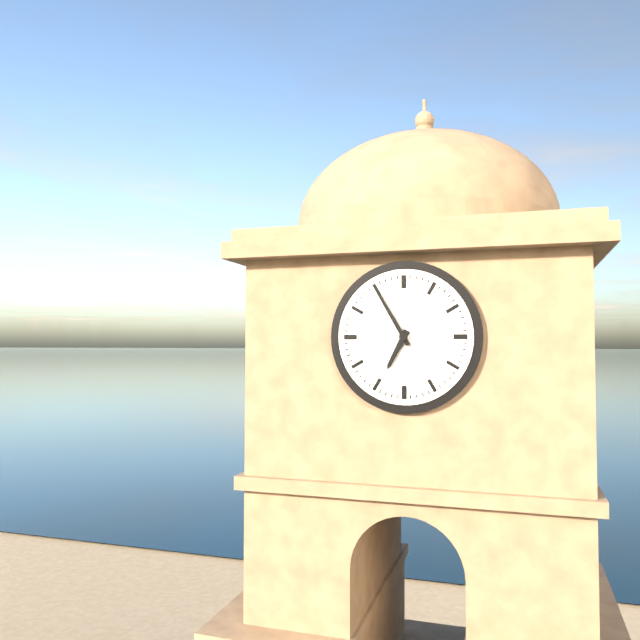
6:55
